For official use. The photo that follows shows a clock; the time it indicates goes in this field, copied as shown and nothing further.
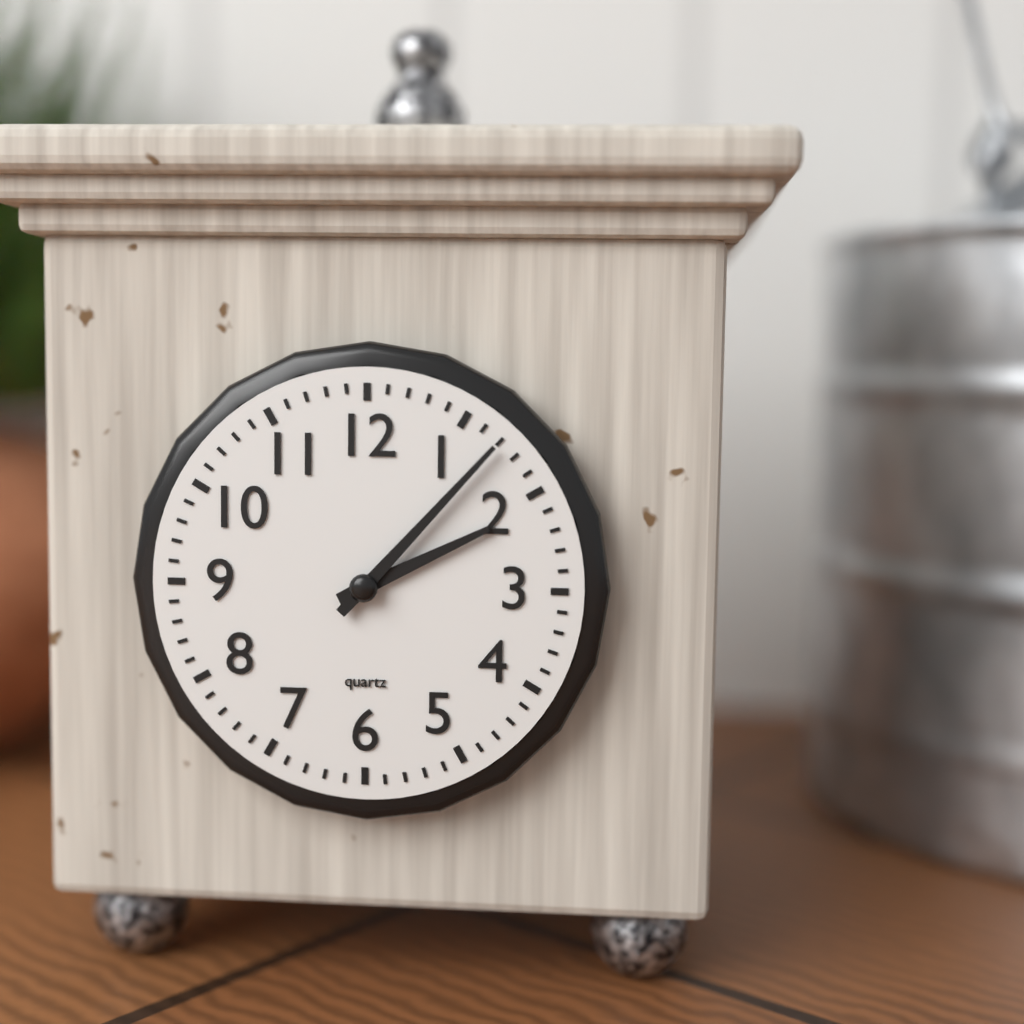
2:07
